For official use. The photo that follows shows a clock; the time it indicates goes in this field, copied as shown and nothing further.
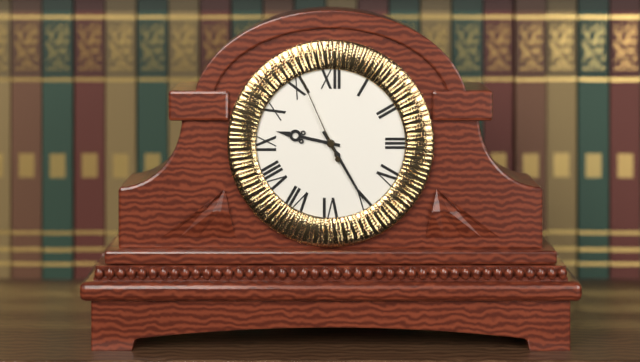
9:25:56
